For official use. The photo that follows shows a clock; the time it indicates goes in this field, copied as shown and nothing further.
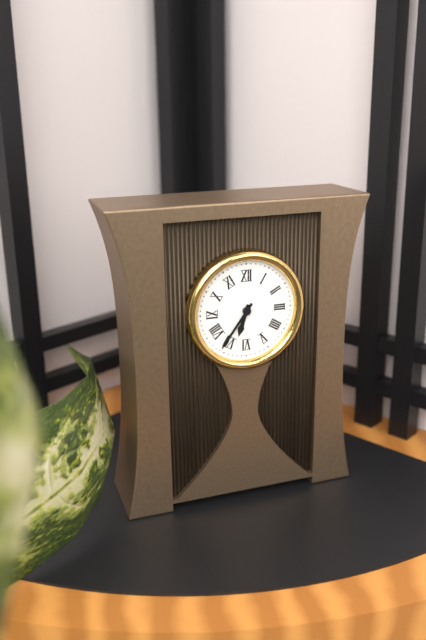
6:36
